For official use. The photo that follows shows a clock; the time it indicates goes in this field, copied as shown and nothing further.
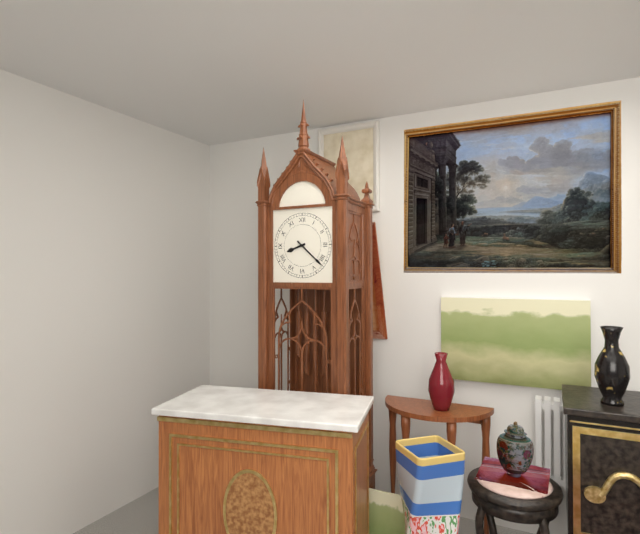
8:22
